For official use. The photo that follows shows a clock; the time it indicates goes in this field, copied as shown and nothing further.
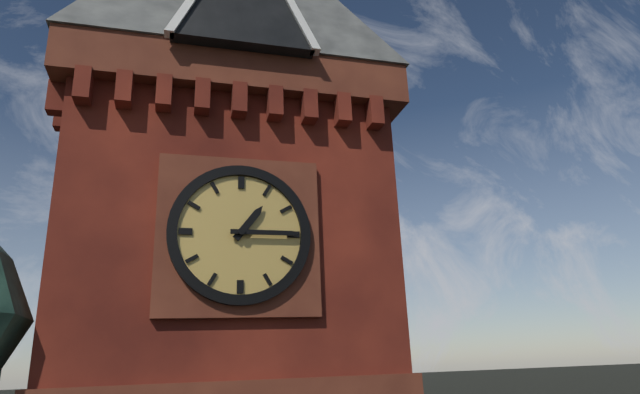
1:15
